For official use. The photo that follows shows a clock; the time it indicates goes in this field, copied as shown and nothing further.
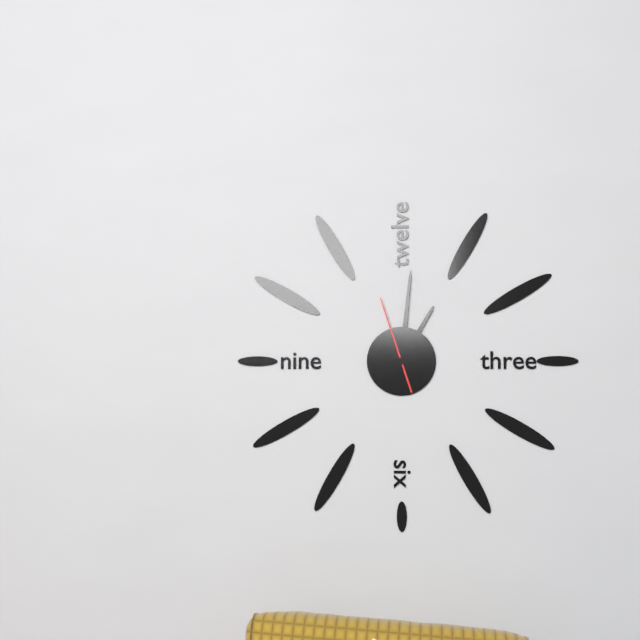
1:01:57
